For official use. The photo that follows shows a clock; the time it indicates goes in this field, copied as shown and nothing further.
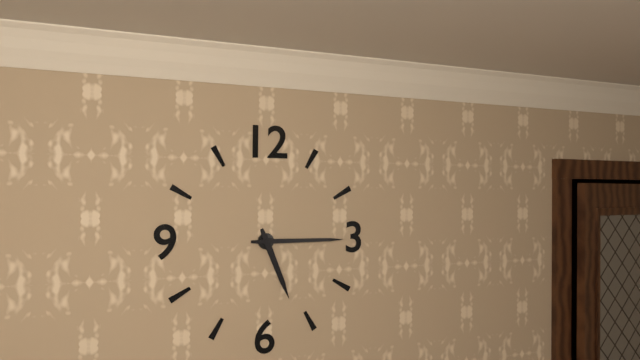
5:15
